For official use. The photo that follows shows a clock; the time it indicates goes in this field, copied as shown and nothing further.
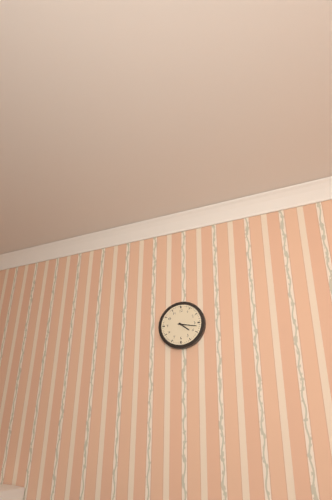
4:17
